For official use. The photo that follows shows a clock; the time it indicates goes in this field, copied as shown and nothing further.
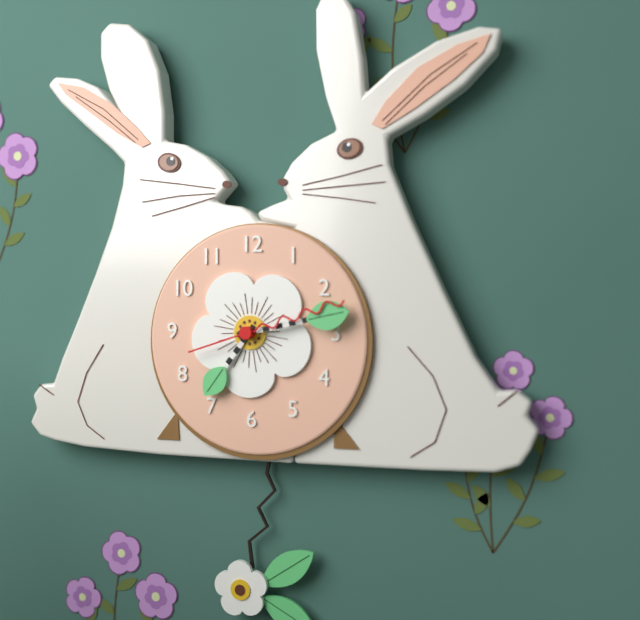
7:13:12
